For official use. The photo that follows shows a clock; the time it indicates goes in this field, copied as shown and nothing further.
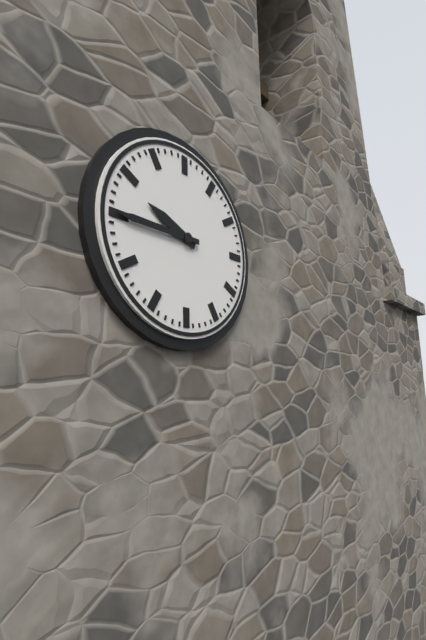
9:45
